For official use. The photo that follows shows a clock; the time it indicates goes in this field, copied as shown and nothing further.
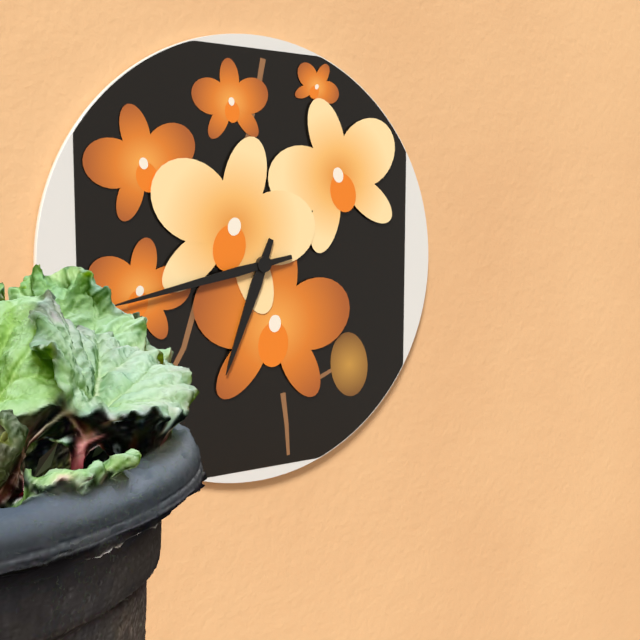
6:43
